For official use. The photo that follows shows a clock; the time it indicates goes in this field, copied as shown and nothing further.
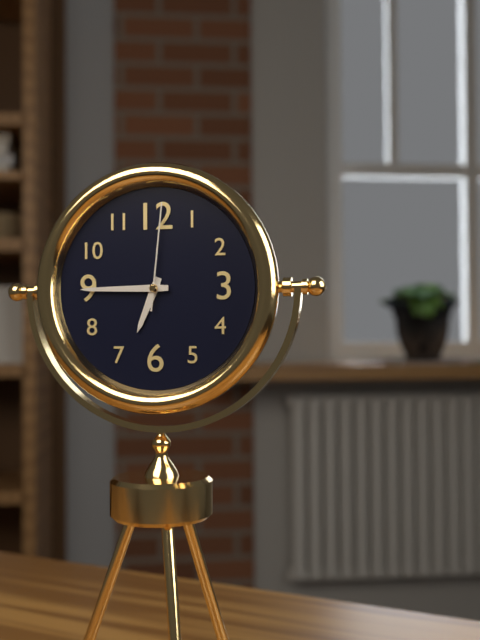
6:45:01
